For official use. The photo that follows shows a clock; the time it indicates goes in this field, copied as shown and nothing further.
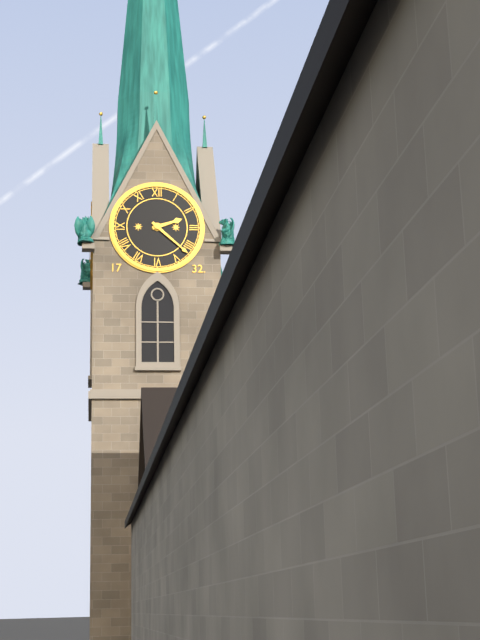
2:22
